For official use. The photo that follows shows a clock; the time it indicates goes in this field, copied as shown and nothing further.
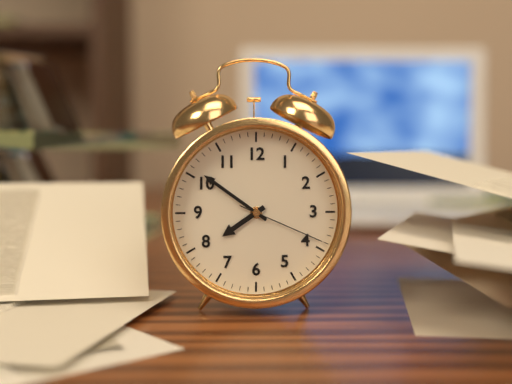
7:51:19
